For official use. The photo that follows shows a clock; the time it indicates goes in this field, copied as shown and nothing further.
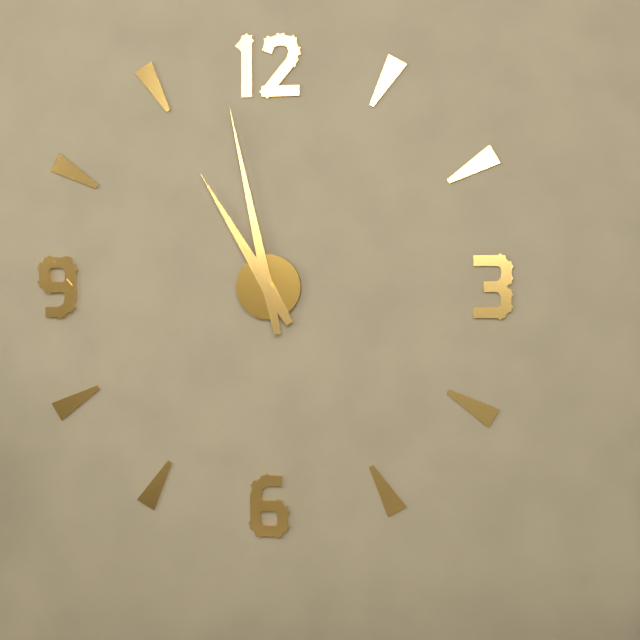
10:58
